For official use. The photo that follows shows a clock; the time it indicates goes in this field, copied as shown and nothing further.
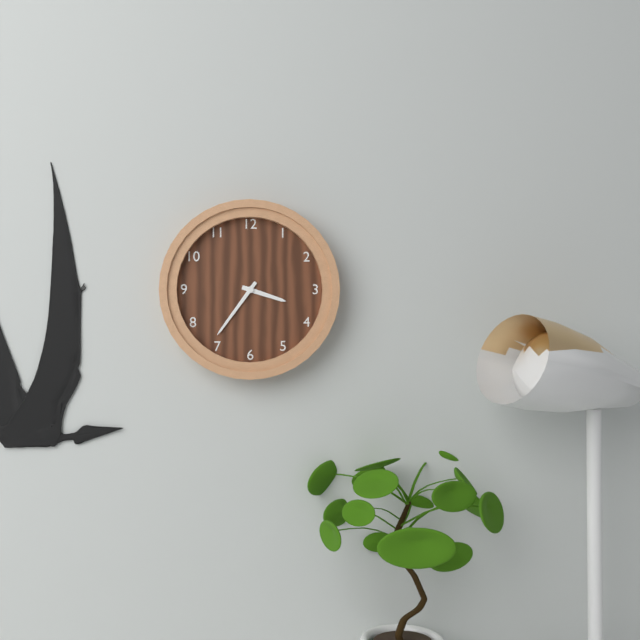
3:36
